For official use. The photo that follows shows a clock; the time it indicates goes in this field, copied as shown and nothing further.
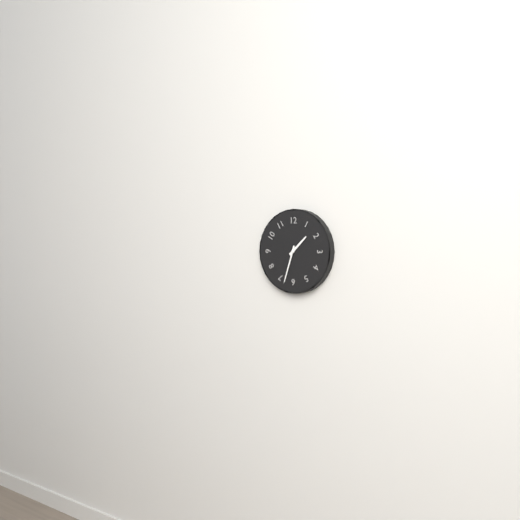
1:33
